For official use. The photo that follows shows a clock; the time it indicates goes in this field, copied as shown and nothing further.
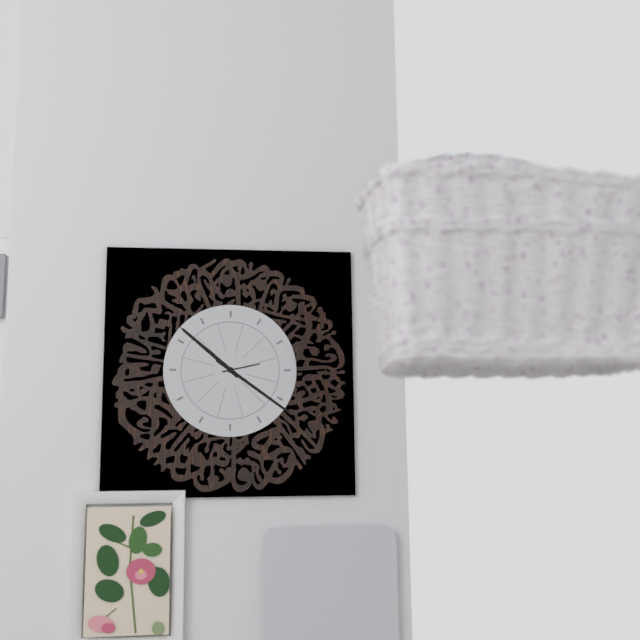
10:21
